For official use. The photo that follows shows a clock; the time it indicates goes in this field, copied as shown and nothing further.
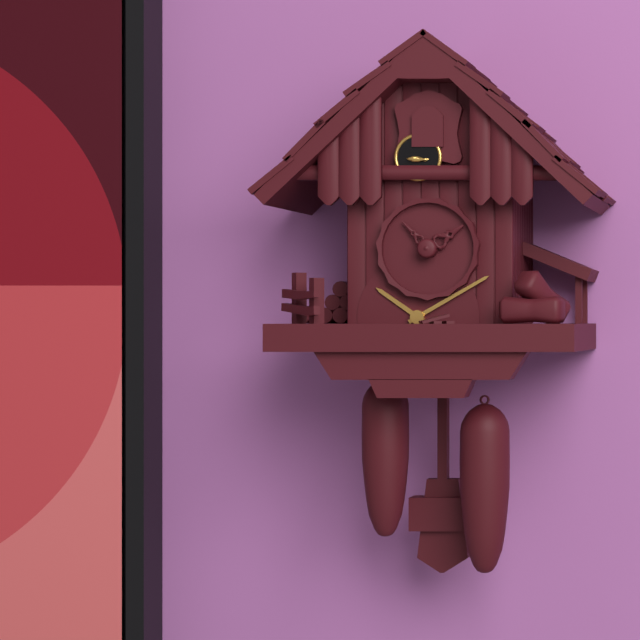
10:10
